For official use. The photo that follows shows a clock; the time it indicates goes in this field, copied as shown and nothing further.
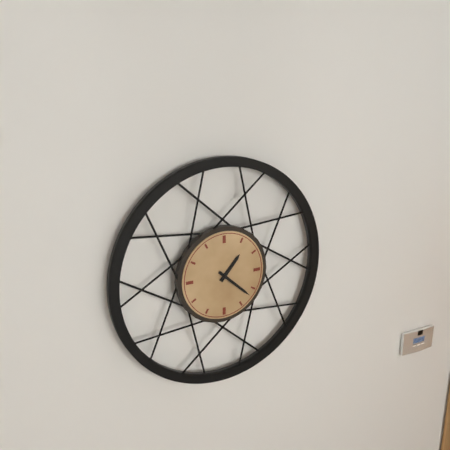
1:22
